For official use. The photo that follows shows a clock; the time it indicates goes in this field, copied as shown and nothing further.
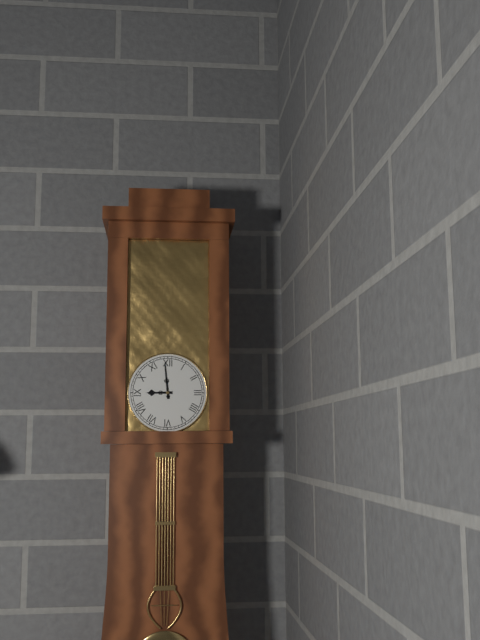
8:59
